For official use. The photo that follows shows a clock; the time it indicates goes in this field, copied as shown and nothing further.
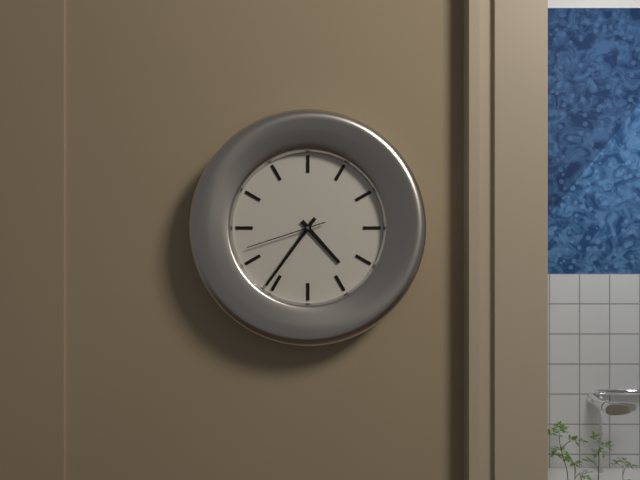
4:36:42
